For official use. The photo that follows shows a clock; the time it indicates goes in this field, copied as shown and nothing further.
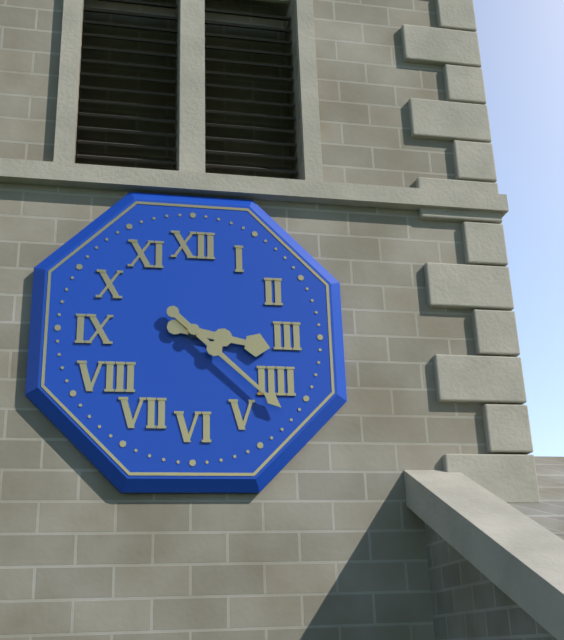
3:22
